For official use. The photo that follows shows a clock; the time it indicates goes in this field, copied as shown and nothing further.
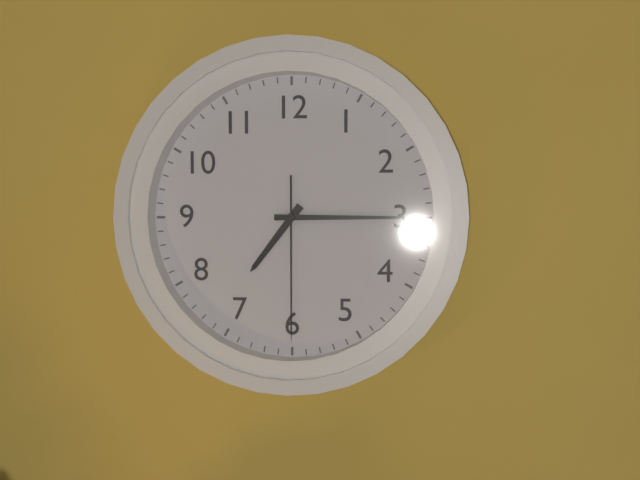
7:15:30
